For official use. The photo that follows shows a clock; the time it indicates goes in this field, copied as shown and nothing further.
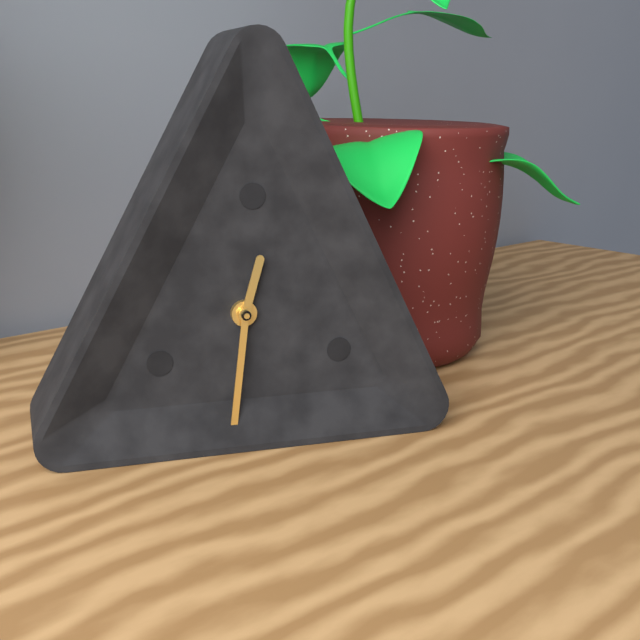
12:31
